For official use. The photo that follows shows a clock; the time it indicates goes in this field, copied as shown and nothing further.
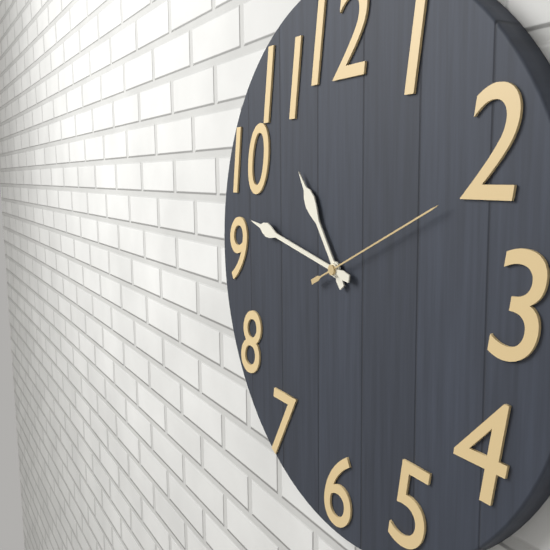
10:47:11
